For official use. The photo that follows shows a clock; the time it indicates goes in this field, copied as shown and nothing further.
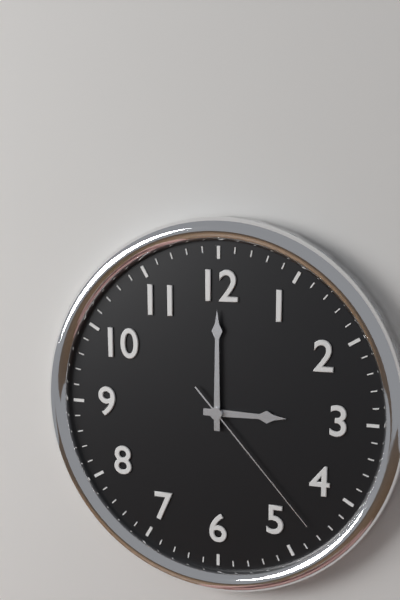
3:00:23
